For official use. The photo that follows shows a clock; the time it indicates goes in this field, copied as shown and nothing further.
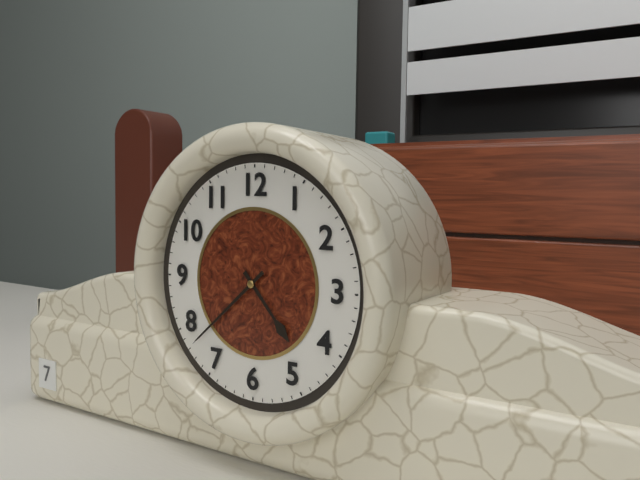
4:38
